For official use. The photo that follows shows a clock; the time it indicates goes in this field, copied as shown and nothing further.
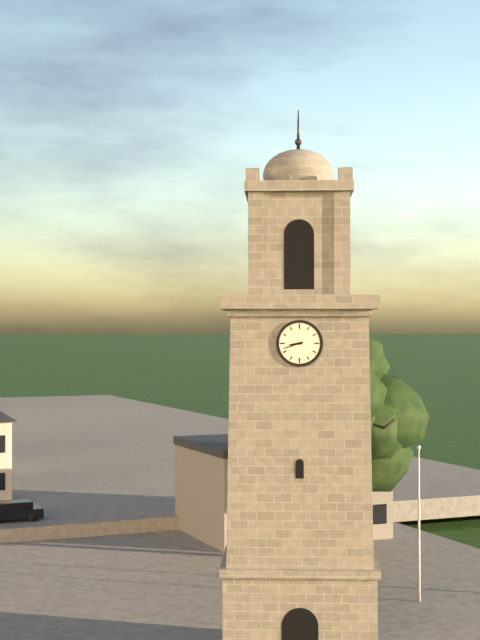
8:42
